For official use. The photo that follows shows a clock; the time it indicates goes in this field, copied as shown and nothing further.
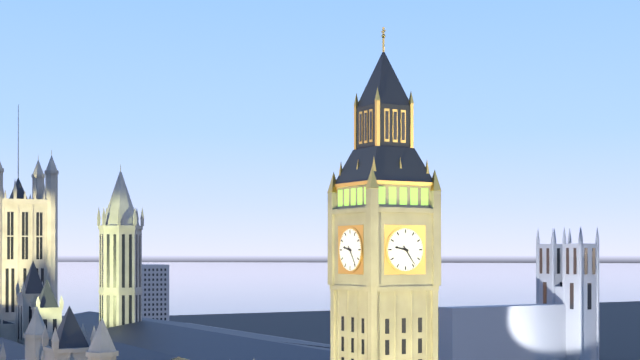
9:24
